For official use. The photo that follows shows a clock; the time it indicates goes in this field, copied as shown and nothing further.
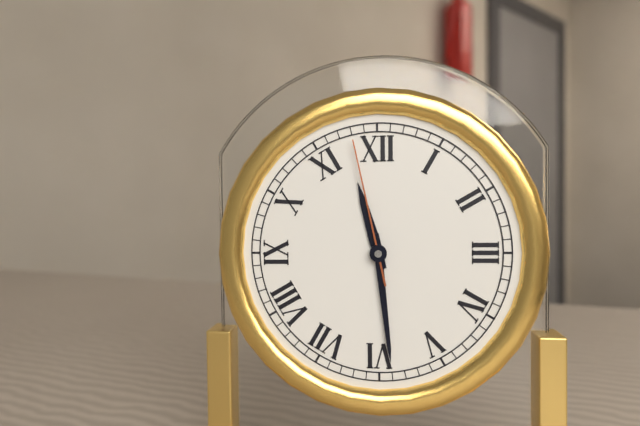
11:29:58
